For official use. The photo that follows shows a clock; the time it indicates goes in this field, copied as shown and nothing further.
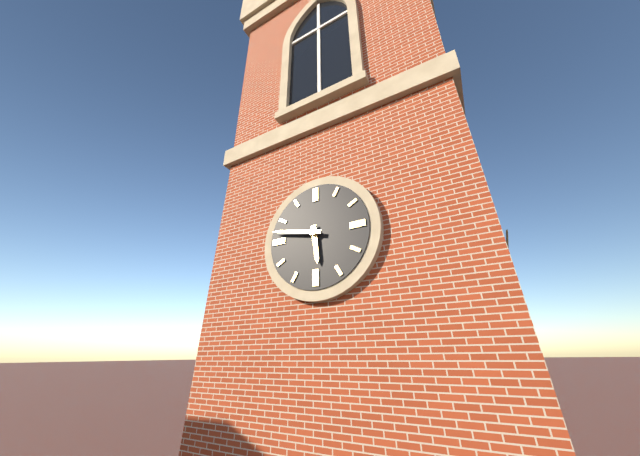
5:47
